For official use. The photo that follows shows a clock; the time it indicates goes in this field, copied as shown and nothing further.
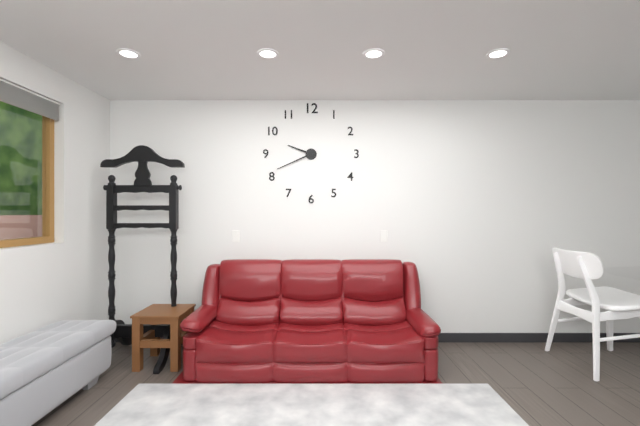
9:41
